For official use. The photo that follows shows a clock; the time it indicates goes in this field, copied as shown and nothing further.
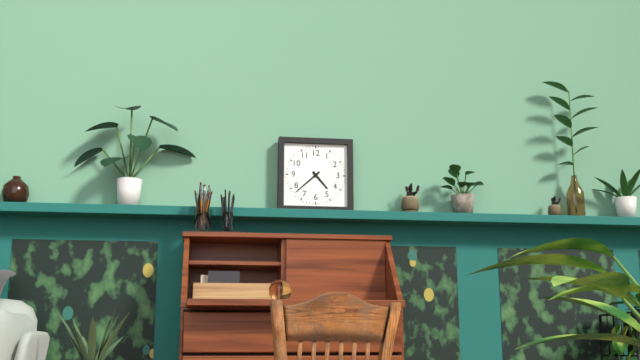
4:38
